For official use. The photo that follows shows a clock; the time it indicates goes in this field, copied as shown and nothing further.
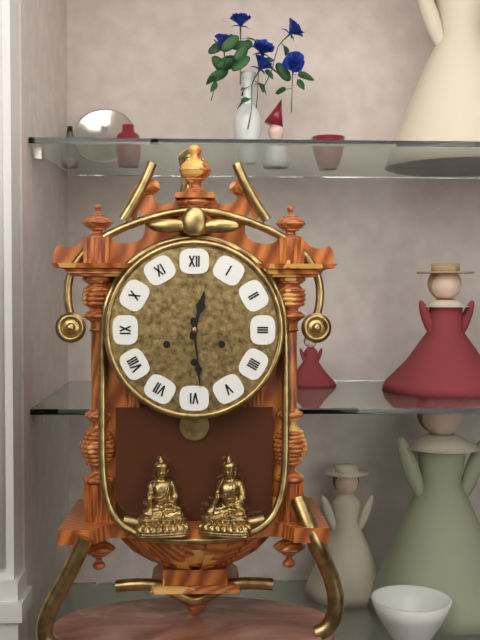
12:29
